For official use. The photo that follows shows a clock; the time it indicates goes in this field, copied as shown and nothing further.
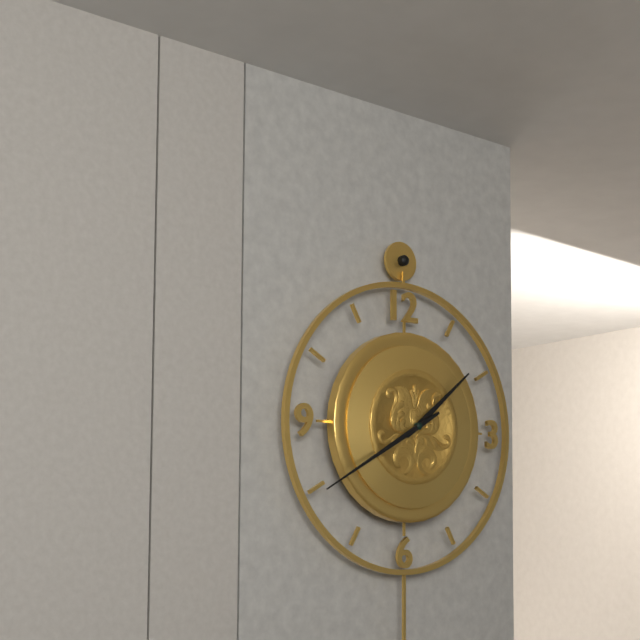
1:40
